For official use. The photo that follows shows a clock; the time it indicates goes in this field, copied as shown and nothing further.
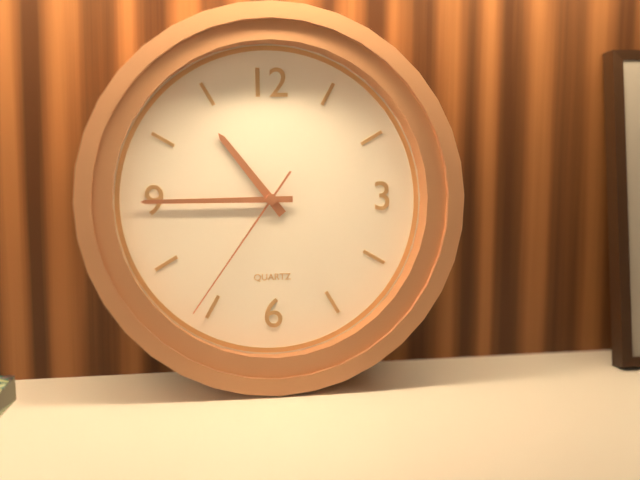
10:45:36
